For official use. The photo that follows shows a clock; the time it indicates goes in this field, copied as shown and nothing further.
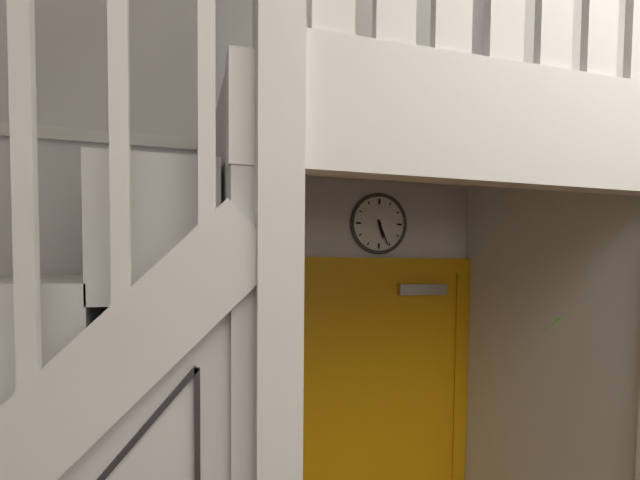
5:26
